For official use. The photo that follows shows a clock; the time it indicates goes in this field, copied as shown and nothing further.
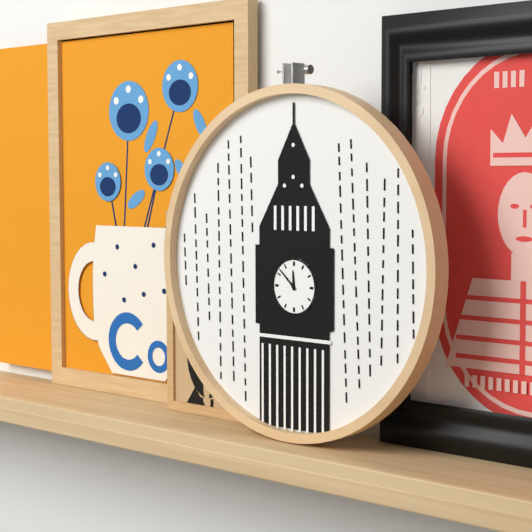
11:52
